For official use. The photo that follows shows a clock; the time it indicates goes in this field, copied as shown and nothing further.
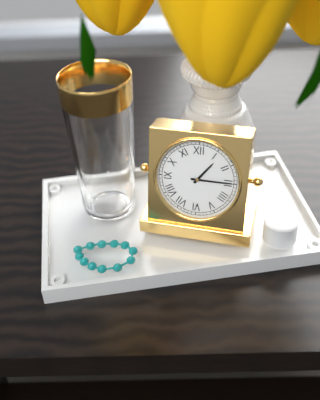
1:15
